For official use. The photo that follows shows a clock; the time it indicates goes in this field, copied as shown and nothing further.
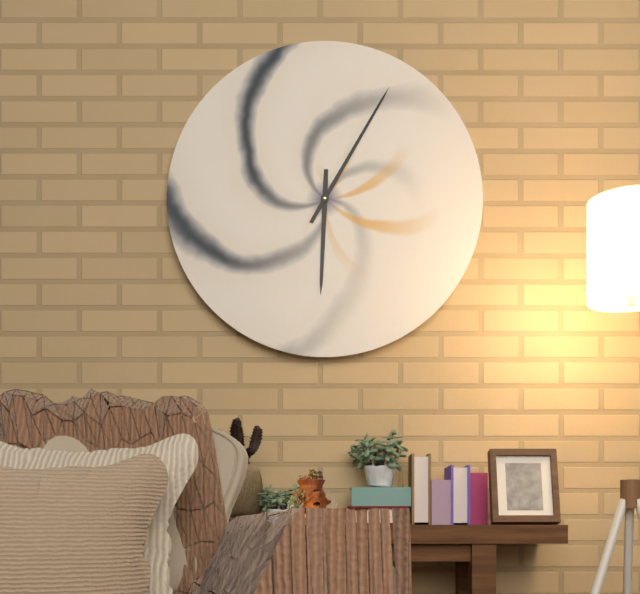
6:05
